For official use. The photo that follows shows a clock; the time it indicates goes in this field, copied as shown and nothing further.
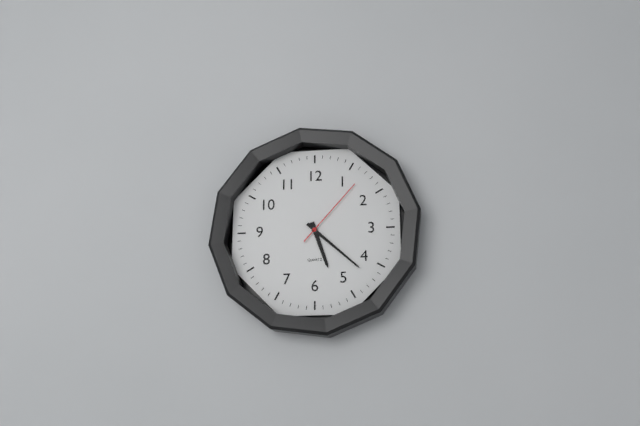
5:22:07
